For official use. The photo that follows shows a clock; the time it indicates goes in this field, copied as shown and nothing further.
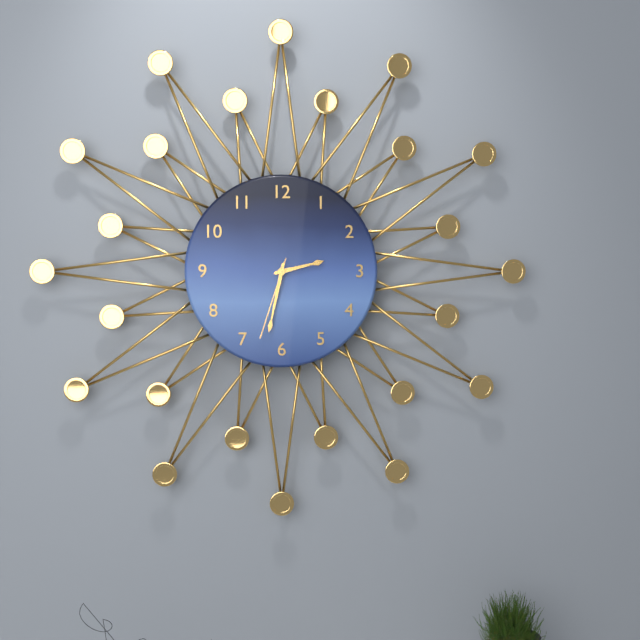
2:32:33
